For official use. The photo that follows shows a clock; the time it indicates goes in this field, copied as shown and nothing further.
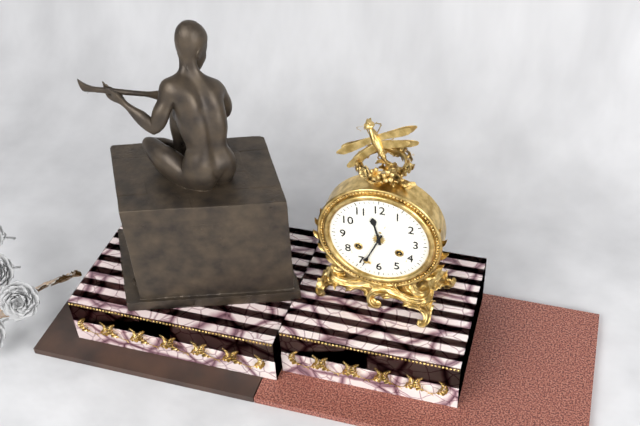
11:34
